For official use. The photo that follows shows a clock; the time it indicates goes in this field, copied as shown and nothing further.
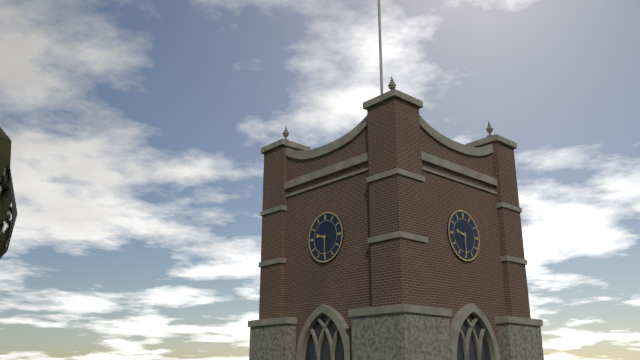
9:30
